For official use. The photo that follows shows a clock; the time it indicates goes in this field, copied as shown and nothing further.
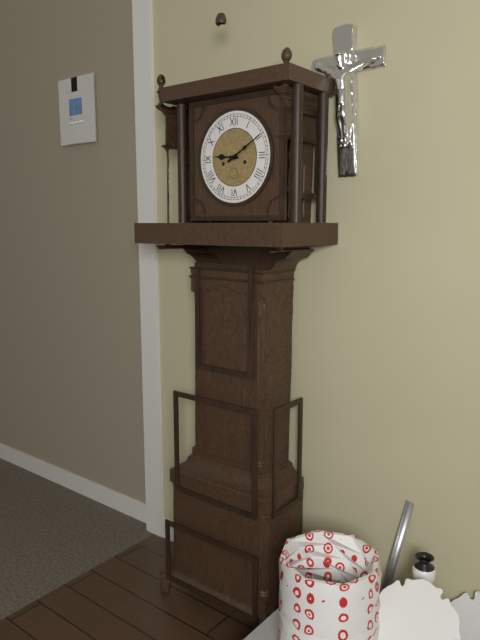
9:10
